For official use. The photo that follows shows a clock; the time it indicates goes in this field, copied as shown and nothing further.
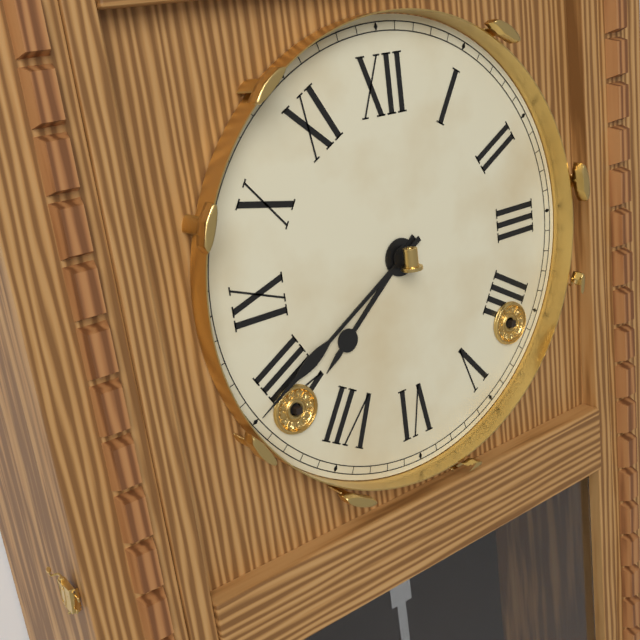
7:40
